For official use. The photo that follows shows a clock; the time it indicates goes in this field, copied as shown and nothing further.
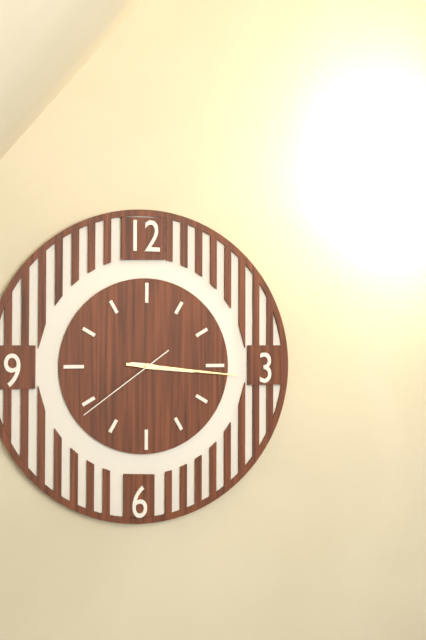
3:16:39
